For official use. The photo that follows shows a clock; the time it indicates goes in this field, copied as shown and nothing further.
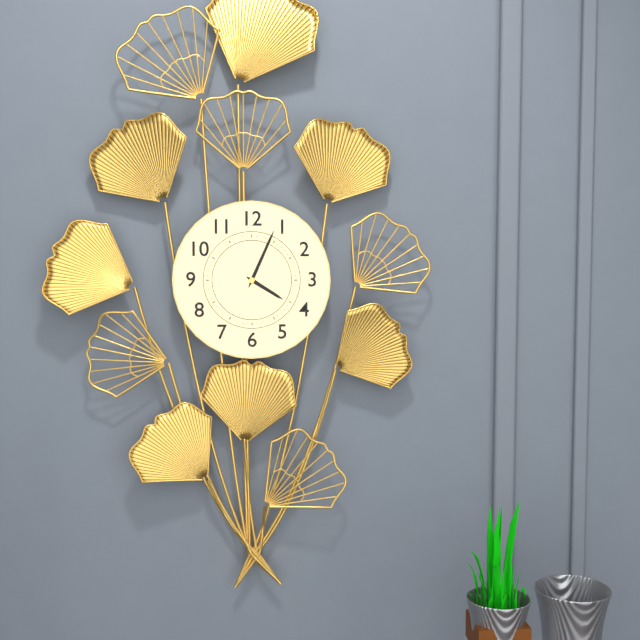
4:04
